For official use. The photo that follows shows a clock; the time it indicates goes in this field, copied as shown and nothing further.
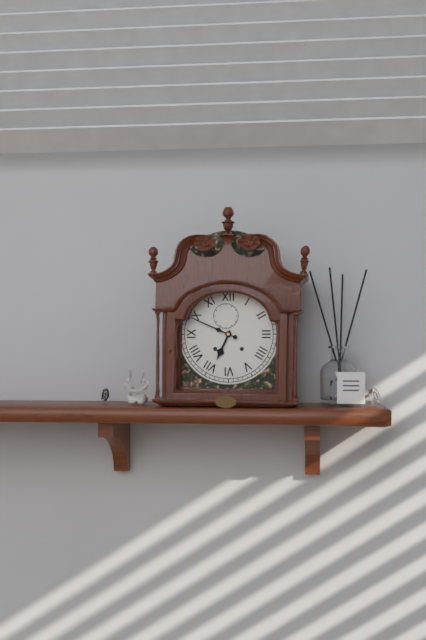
6:49
